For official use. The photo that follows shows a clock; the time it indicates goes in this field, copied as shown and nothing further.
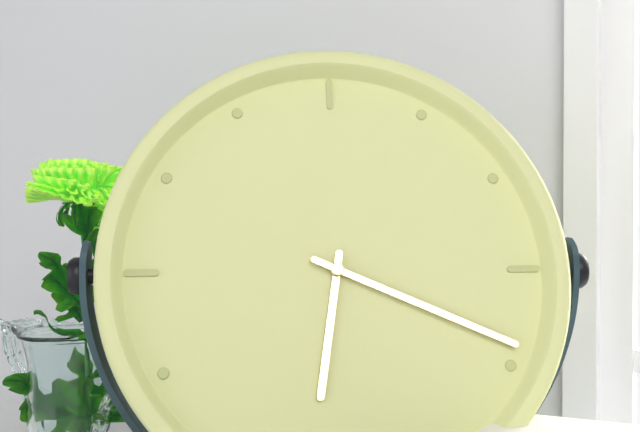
6:19
